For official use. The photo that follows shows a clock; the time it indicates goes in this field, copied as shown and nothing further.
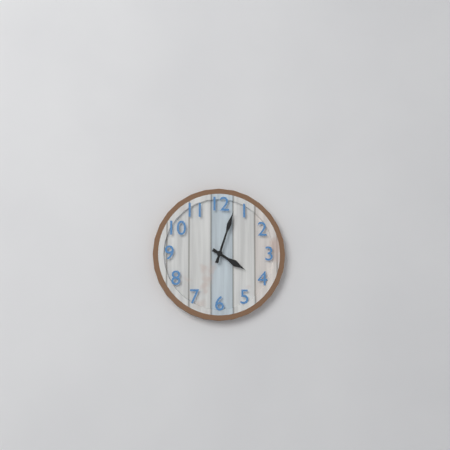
4:03
